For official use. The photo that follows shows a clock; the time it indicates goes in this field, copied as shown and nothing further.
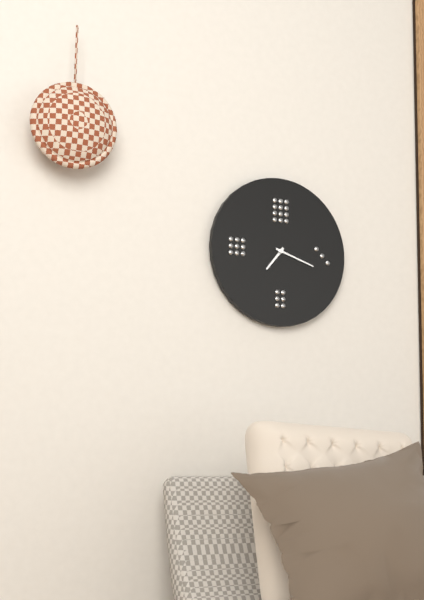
7:18
